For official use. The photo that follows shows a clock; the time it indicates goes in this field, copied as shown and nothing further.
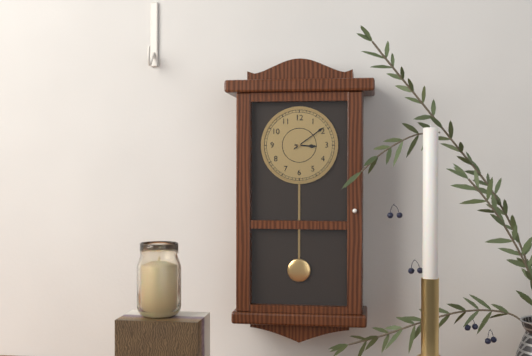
3:09
